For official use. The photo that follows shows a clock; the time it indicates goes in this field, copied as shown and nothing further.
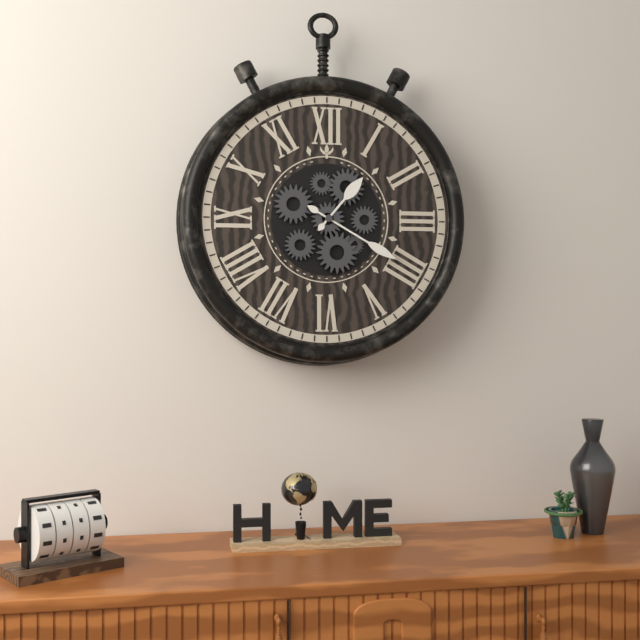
1:20
